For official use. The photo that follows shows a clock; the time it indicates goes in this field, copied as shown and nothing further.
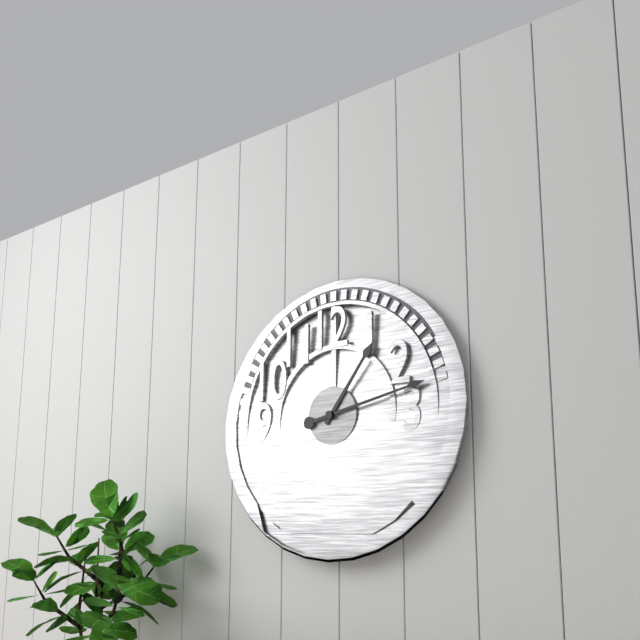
1:13
